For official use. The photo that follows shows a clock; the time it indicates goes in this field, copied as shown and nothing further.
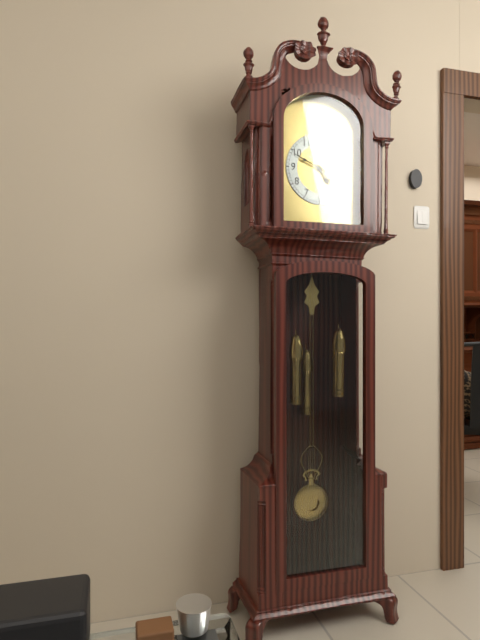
4:49
